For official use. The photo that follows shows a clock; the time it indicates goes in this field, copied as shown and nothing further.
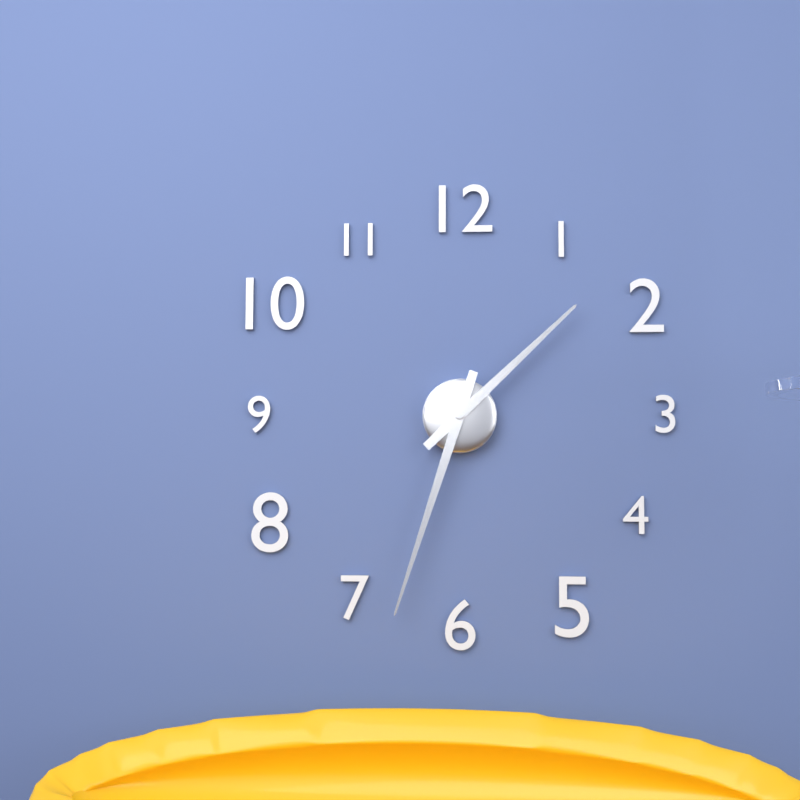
1:33
